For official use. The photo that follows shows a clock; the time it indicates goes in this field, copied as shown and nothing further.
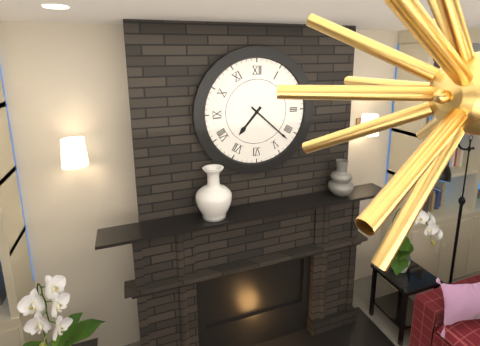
7:22
